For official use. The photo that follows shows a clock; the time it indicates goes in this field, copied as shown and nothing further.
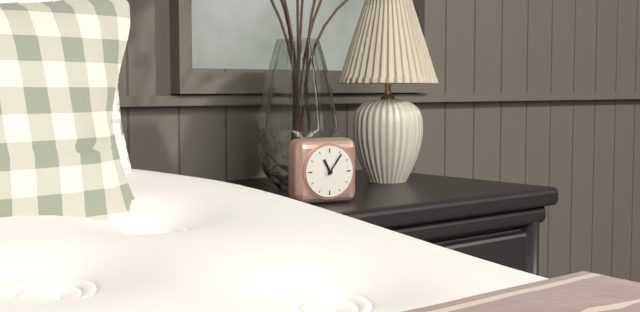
11:06
